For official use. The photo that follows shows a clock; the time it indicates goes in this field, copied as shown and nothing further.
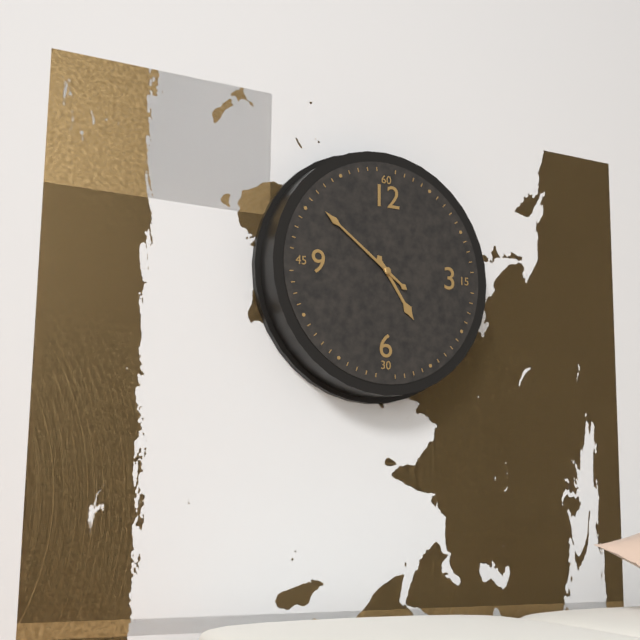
4:51
